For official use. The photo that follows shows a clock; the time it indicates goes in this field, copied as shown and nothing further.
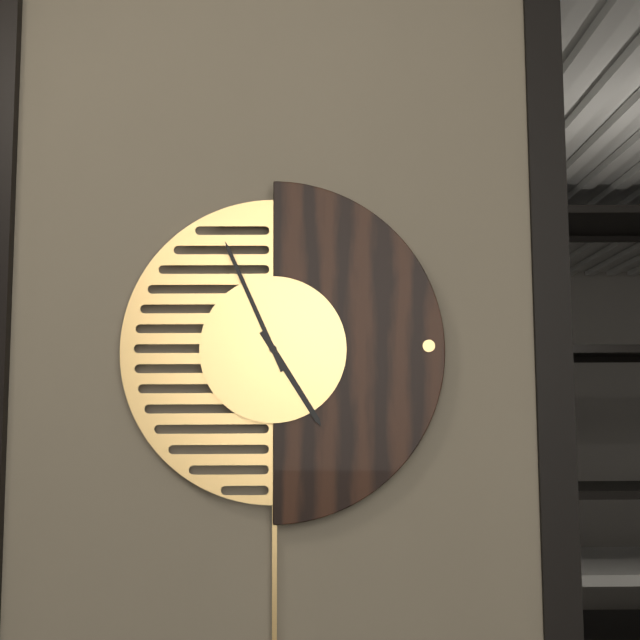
4:56
